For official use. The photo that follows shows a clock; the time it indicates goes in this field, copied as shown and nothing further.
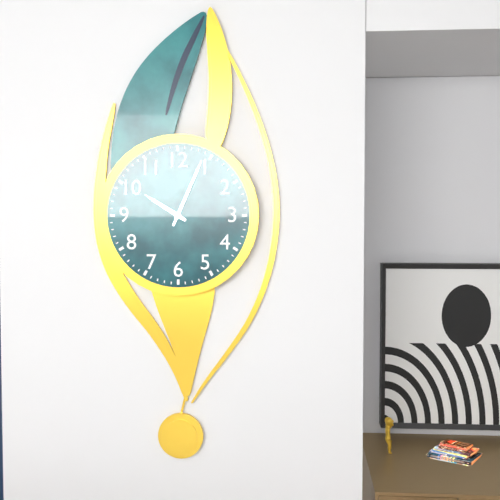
10:04
